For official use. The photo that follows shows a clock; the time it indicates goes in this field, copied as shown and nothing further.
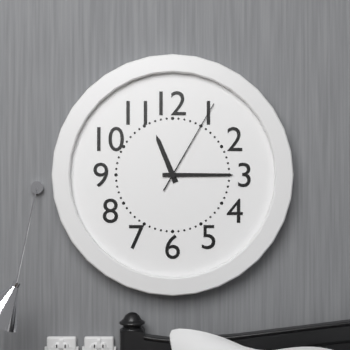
11:15:05
